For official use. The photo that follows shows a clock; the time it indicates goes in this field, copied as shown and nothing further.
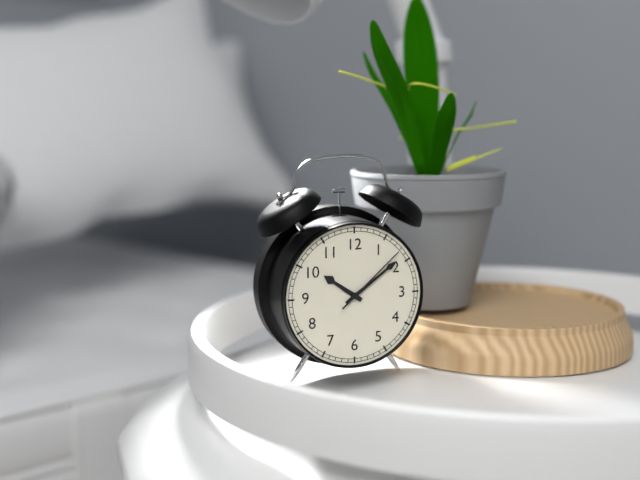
10:09:08
